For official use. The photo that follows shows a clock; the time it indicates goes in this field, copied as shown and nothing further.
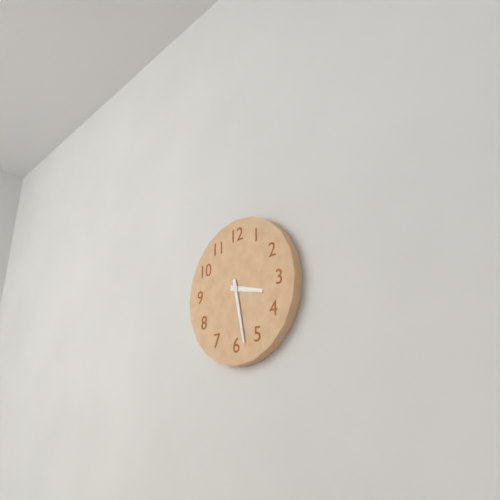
3:28
